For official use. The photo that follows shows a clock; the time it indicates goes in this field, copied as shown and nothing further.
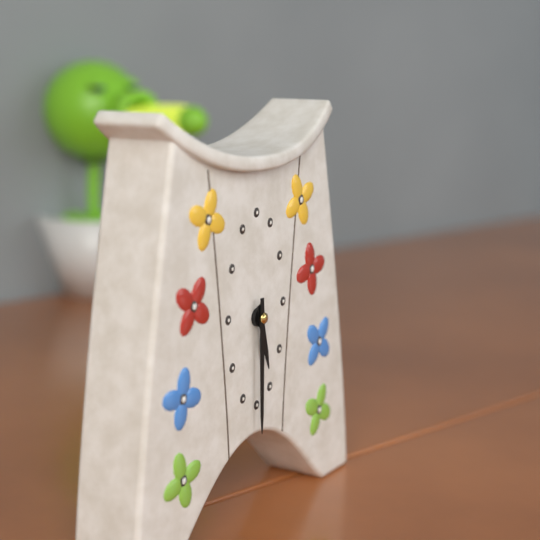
5:30
